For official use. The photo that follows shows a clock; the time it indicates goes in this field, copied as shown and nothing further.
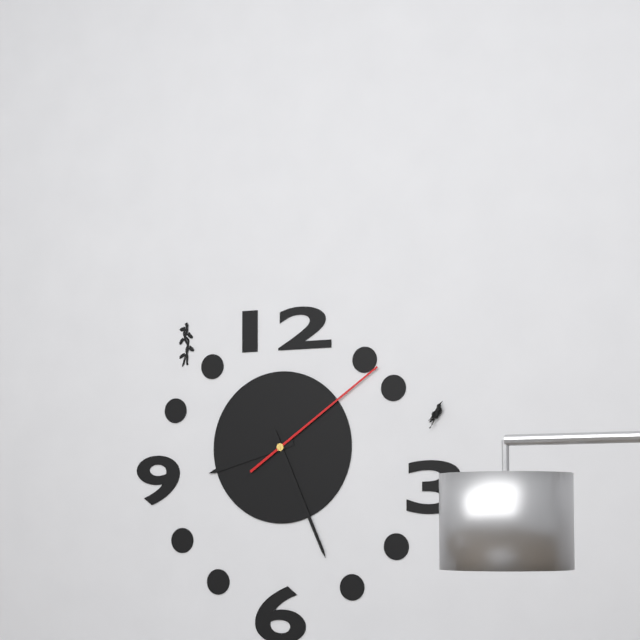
8:26:09
